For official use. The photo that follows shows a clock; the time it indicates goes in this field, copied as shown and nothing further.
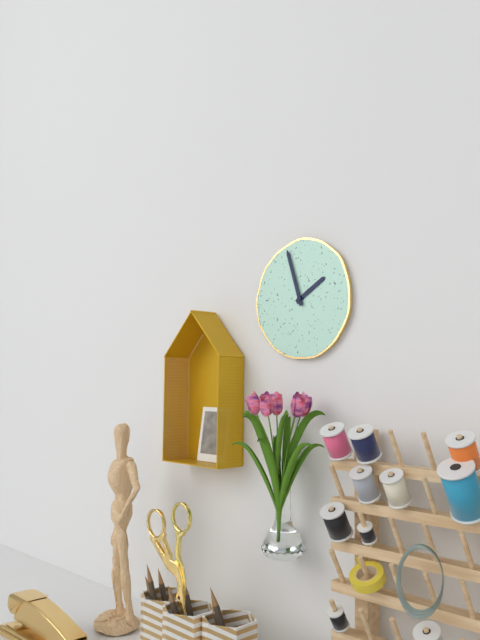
1:57
